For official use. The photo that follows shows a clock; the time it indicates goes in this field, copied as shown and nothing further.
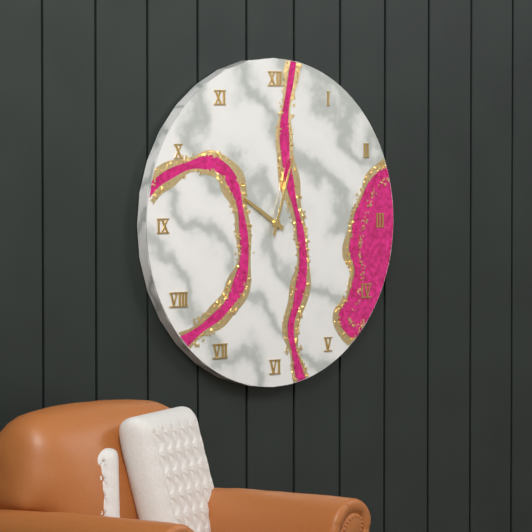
10:03
